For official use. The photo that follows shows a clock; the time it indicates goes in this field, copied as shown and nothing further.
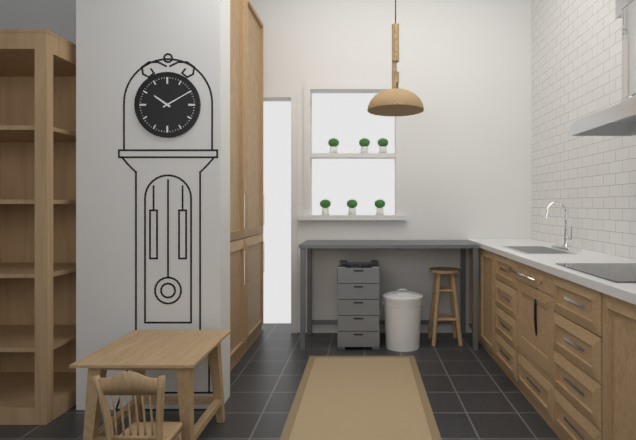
10:10
